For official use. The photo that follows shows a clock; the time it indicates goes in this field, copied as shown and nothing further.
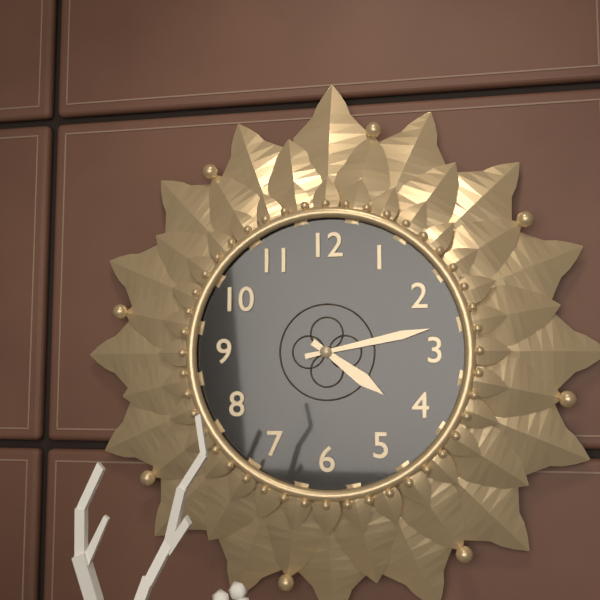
4:13
